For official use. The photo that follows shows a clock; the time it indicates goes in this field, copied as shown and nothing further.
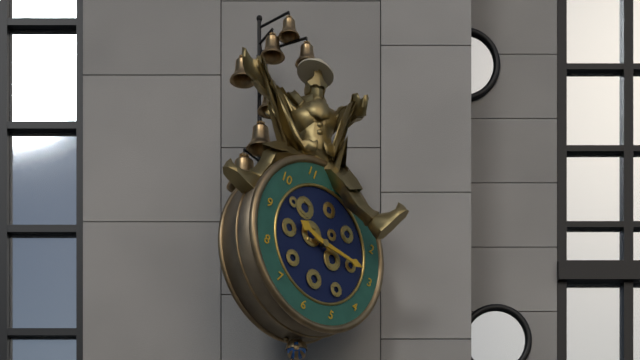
9:14
